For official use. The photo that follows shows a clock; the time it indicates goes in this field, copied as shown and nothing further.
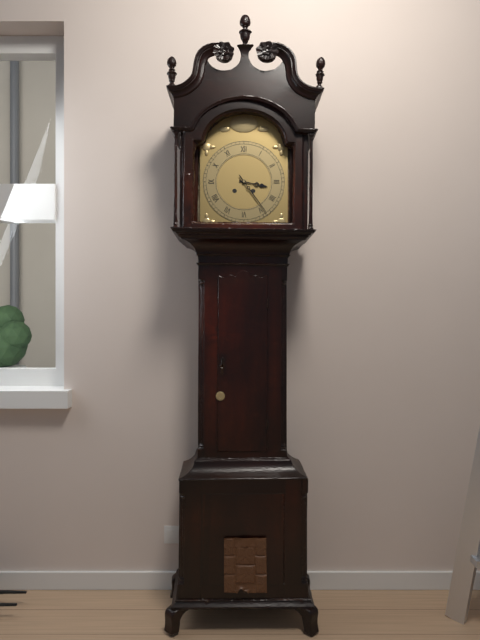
3:24
